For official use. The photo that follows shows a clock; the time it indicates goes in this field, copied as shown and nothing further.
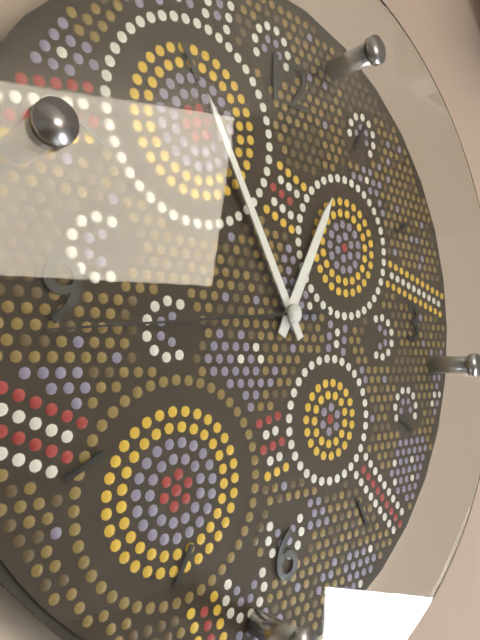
12:55:44
